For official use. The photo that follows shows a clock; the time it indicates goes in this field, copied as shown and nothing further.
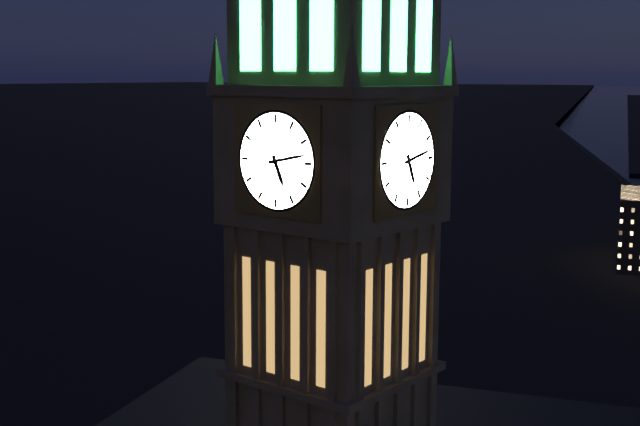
5:13
